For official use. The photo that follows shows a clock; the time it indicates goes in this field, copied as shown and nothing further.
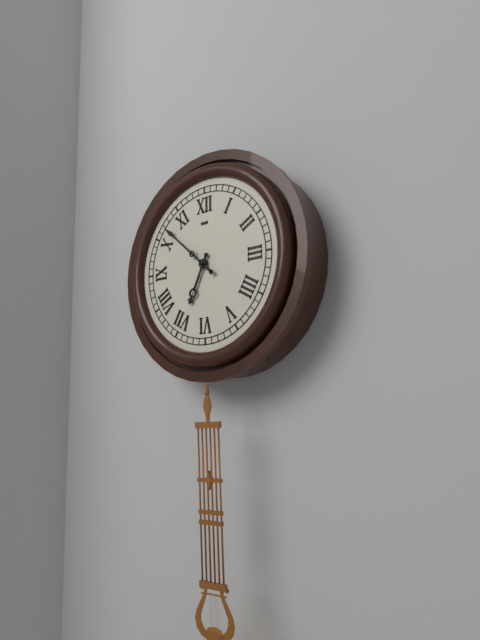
6:52
